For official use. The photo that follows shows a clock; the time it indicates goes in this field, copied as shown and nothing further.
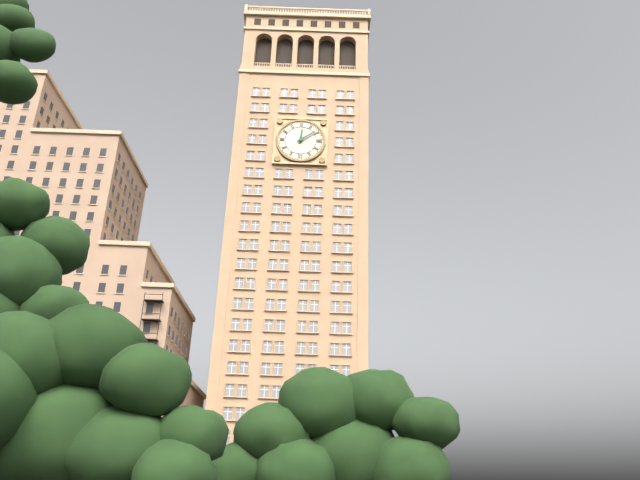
12:09
